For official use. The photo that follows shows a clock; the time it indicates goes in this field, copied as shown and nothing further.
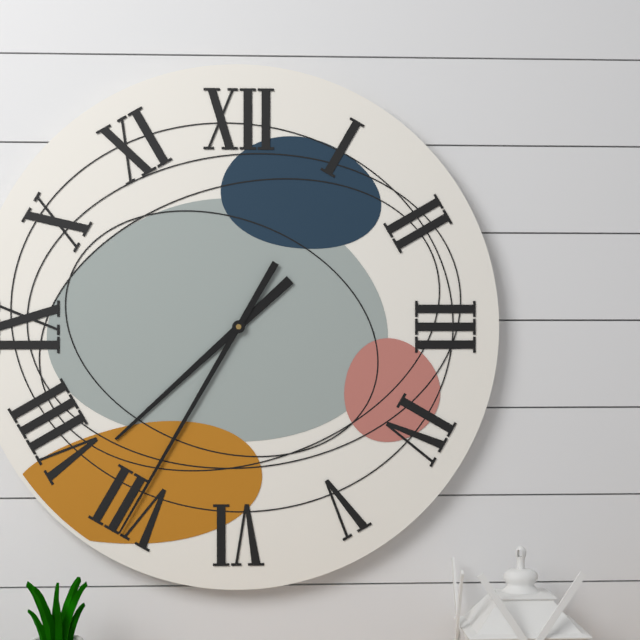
7:35
